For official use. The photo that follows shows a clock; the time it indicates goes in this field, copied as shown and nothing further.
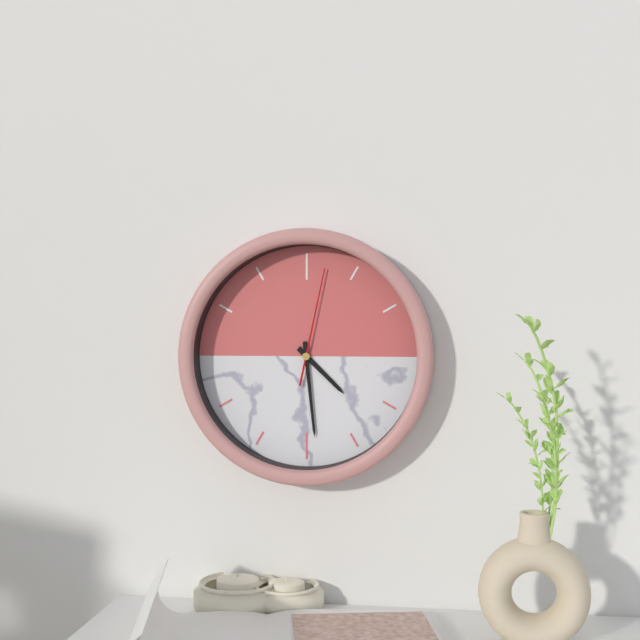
4:29:02
